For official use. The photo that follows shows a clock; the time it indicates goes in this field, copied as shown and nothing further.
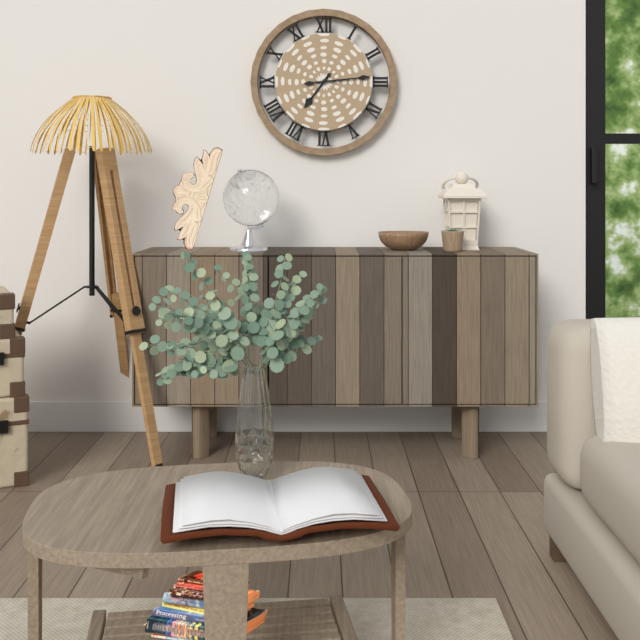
7:14
